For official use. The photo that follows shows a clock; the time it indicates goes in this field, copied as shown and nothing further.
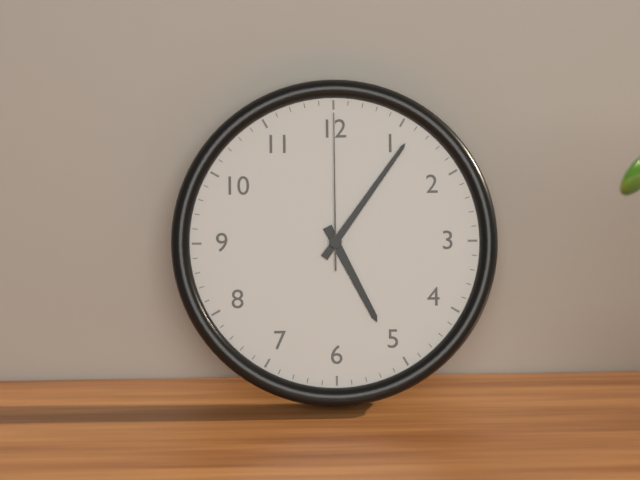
5:06:00
